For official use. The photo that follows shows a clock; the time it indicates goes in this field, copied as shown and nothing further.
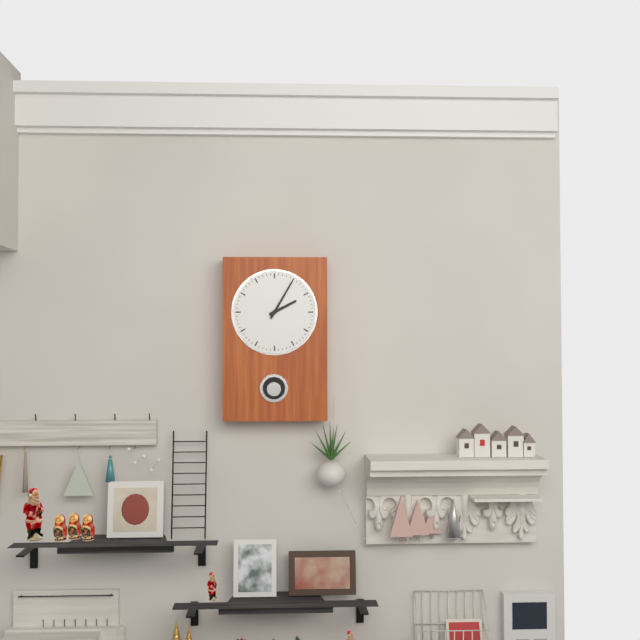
2:05
